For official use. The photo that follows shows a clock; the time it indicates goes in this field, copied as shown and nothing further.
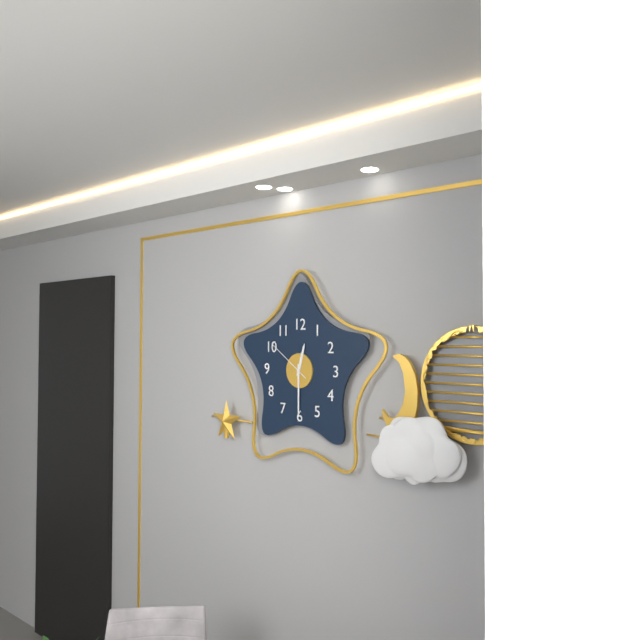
12:30:51
